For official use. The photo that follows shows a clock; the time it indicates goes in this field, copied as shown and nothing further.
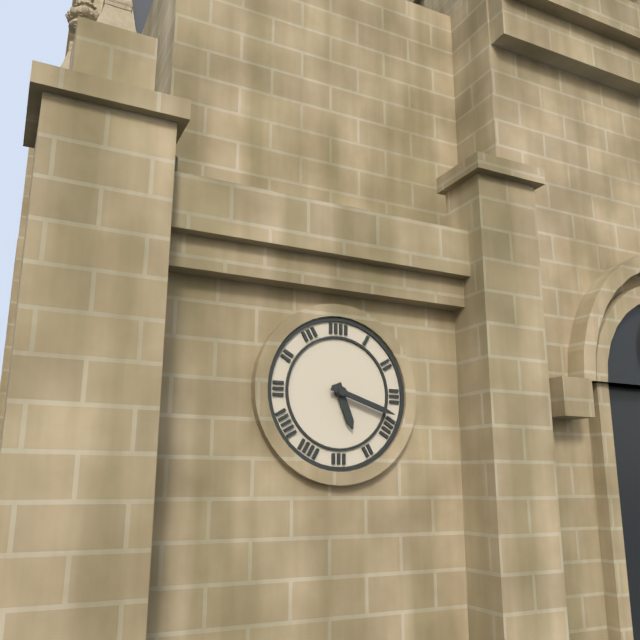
5:18
